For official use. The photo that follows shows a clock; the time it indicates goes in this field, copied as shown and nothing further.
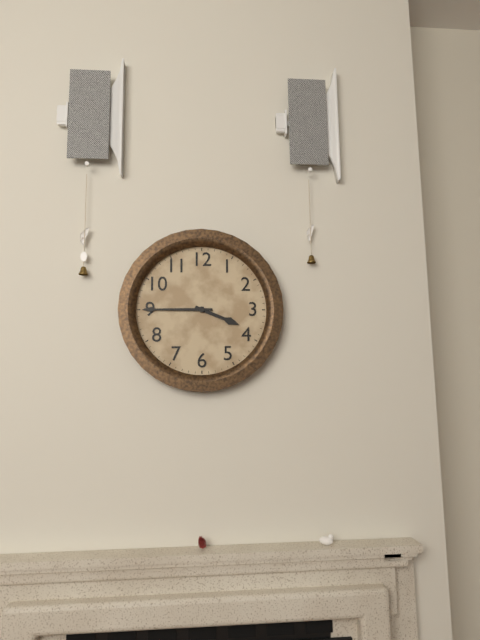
3:45
